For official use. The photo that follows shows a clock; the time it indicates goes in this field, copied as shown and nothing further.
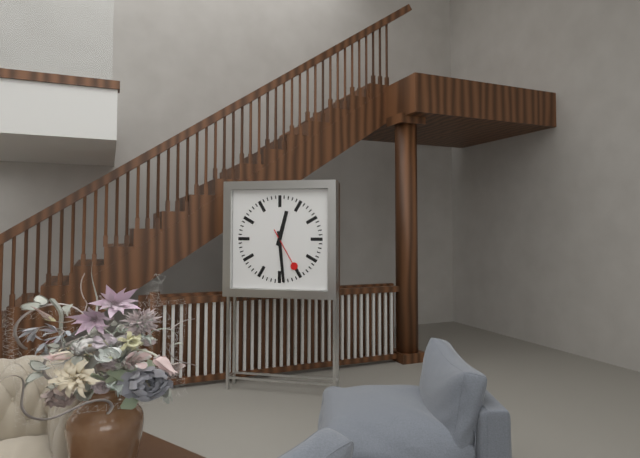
12:29
